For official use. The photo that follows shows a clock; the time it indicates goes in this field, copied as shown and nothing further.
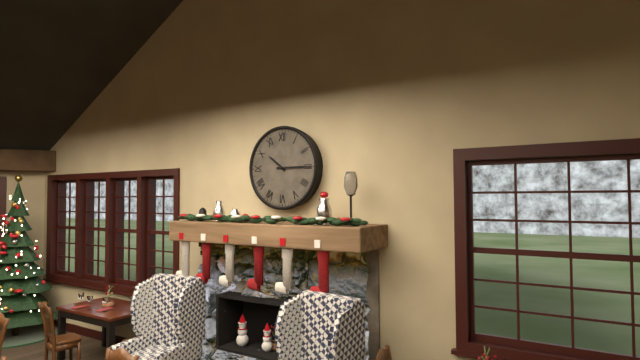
10:15
